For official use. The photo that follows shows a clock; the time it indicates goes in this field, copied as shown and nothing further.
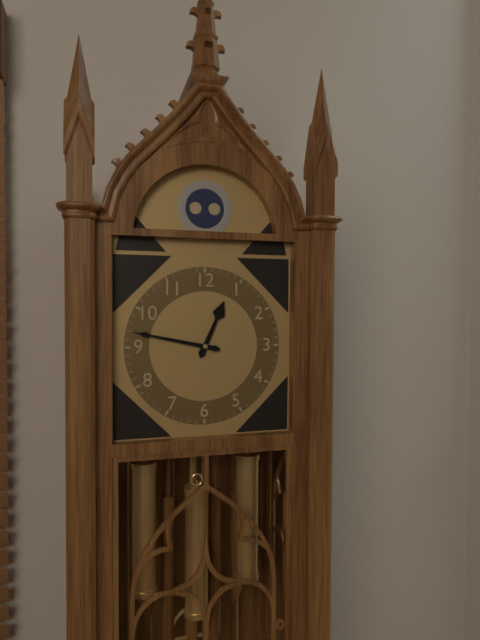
12:47
